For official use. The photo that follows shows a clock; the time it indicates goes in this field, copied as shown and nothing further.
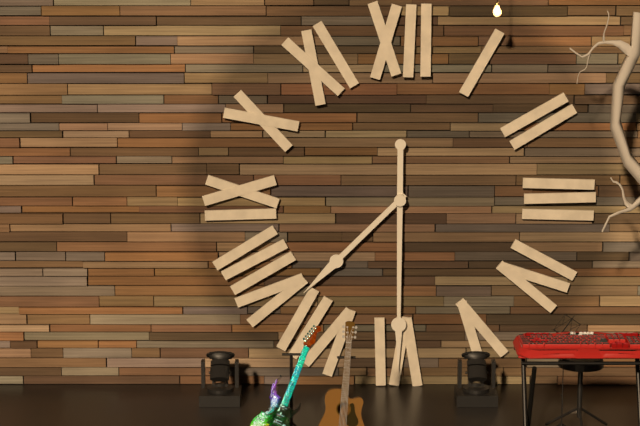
7:30
